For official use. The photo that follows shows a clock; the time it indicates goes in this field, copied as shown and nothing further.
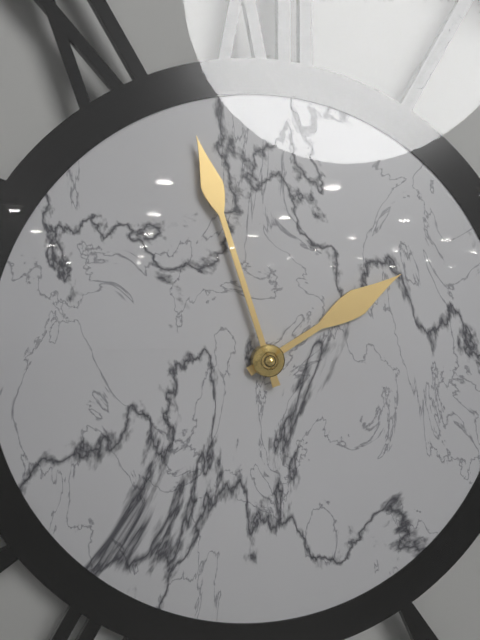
1:57
